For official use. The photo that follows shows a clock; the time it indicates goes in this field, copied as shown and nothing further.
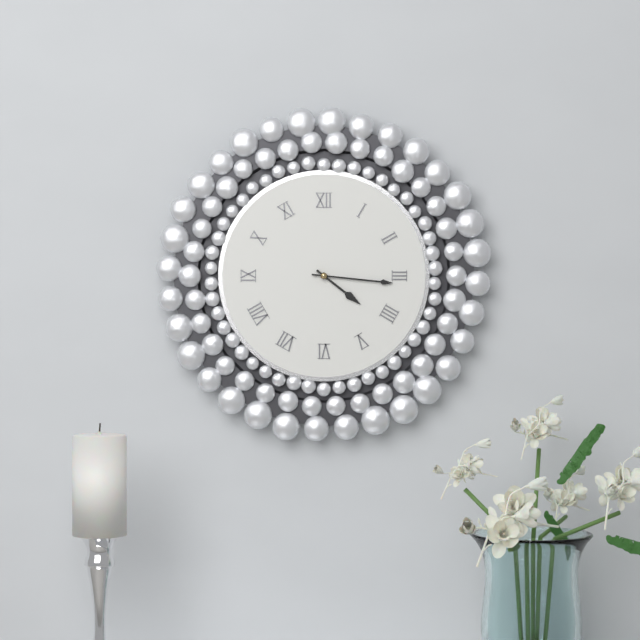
4:16
